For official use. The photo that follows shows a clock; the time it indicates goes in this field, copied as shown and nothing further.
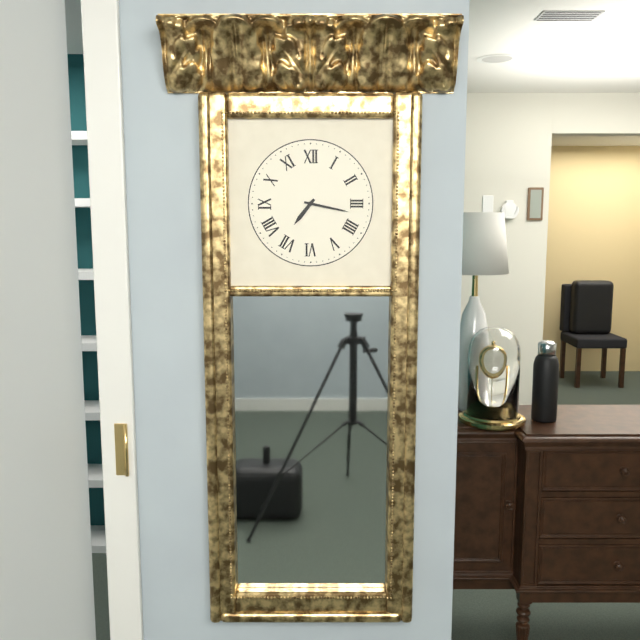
7:17
